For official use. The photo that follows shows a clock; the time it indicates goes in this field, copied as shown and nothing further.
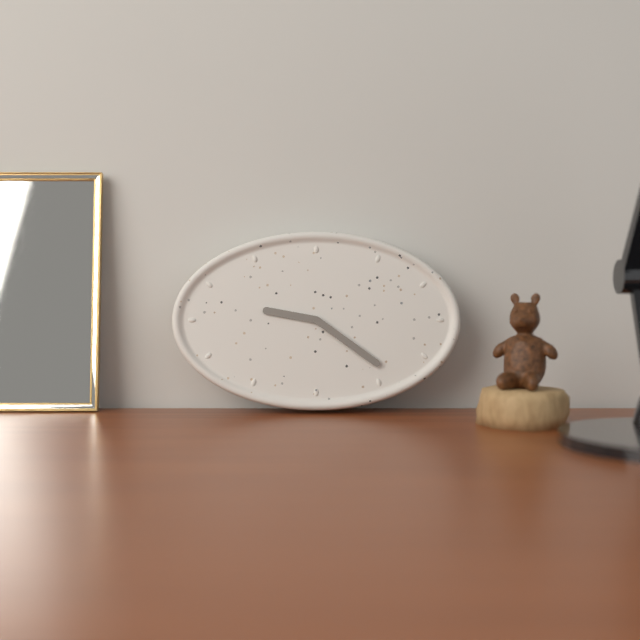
9:21
